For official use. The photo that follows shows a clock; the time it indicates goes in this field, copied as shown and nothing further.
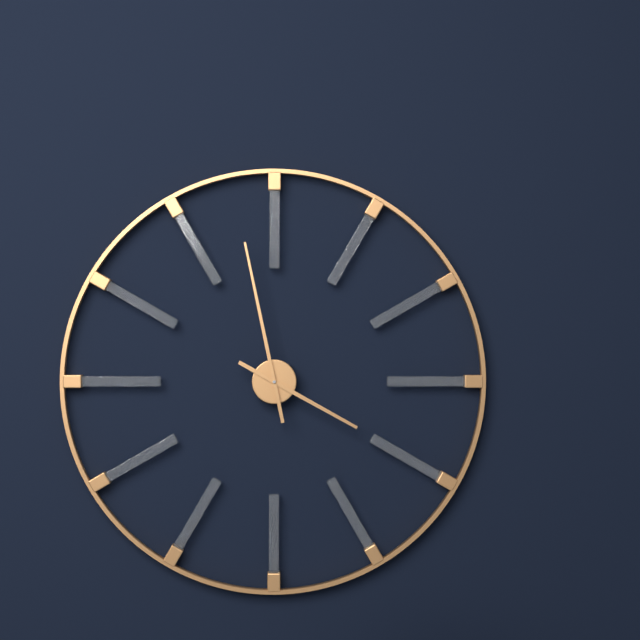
3:58
